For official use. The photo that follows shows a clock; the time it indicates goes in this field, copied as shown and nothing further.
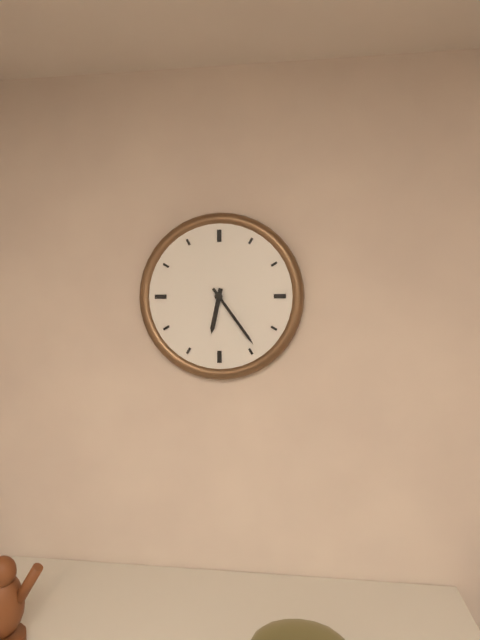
6:24
